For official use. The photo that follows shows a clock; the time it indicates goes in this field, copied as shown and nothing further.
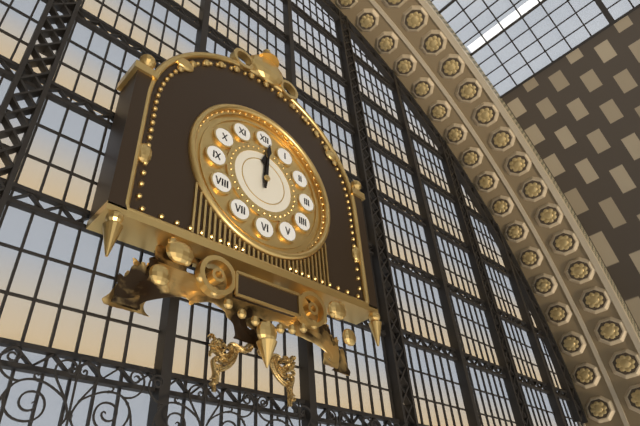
12:01
